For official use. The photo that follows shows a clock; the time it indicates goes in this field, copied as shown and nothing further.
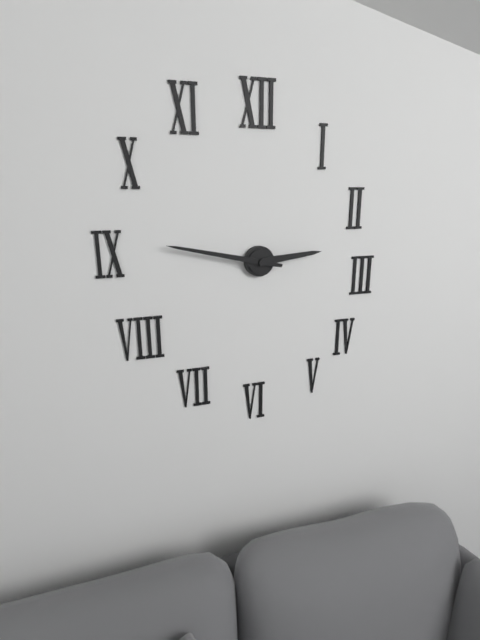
2:47
